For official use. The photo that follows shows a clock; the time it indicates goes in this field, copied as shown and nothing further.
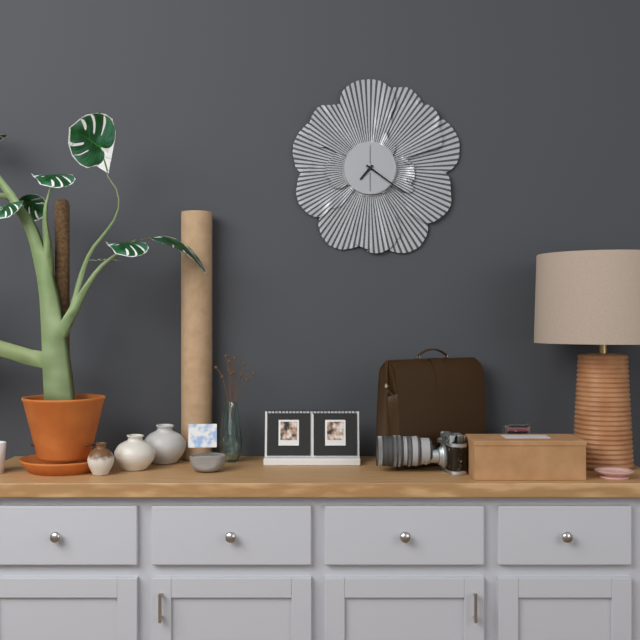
7:21
